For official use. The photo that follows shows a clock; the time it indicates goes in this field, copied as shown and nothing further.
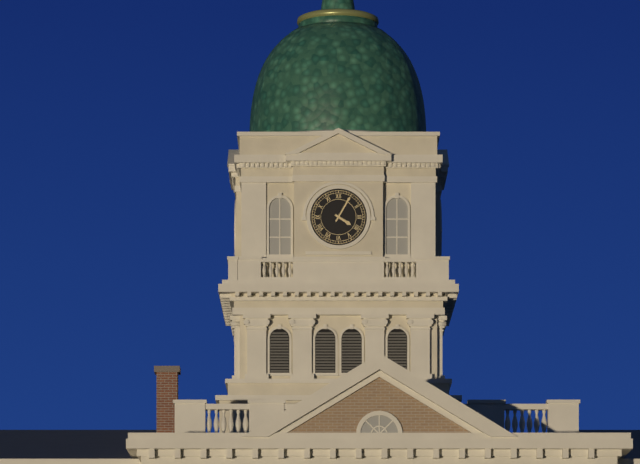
4:05
